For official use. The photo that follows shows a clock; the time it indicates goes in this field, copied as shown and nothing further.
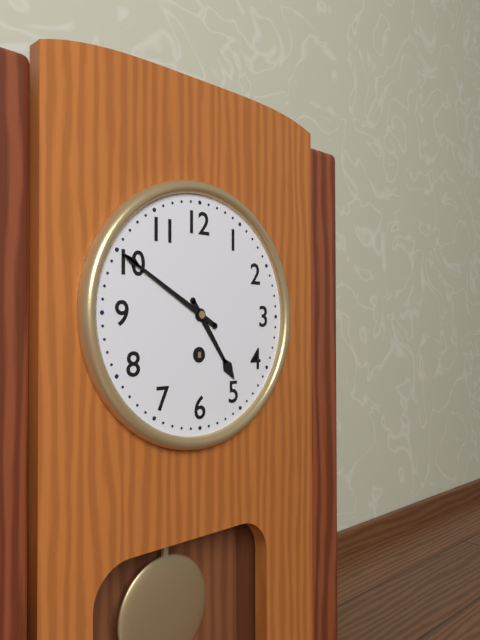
4:50
